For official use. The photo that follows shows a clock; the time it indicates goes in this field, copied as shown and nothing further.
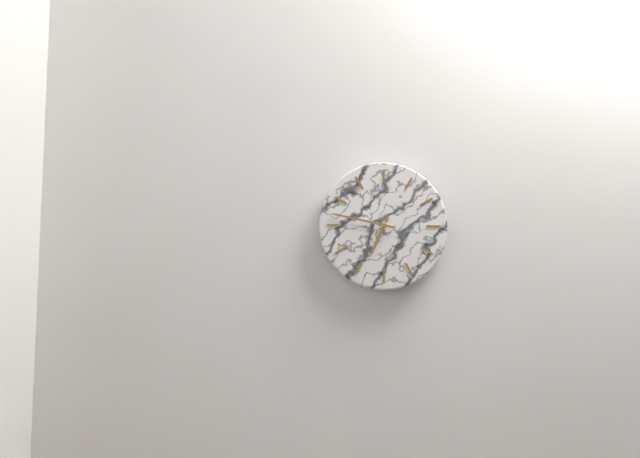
6:47
